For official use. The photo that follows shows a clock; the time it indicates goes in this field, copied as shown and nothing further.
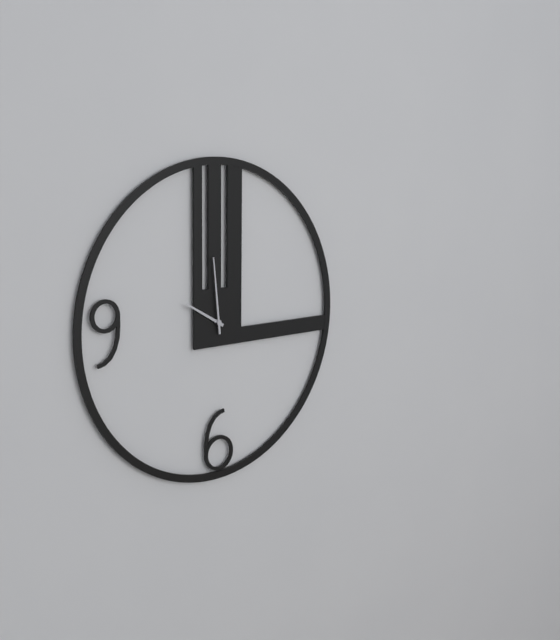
9:59
